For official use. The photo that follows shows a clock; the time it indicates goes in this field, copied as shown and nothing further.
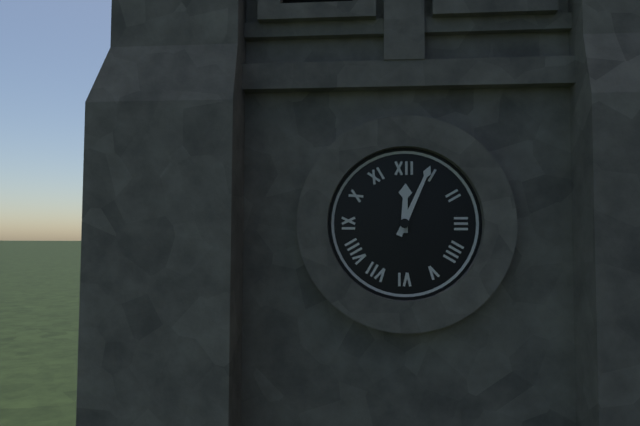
12:04
